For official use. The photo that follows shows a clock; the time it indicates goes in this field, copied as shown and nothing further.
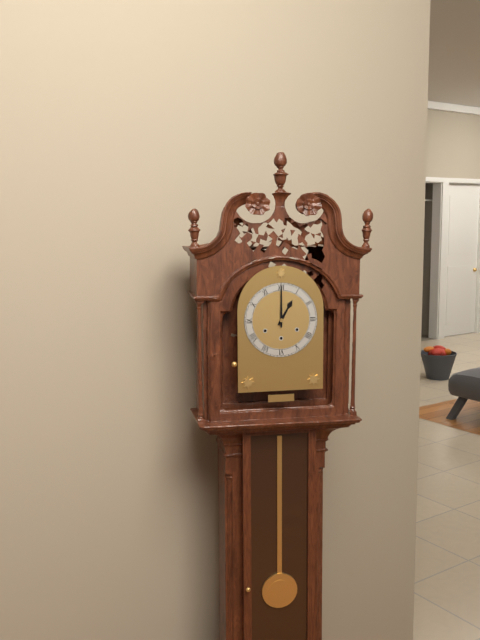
1:00
